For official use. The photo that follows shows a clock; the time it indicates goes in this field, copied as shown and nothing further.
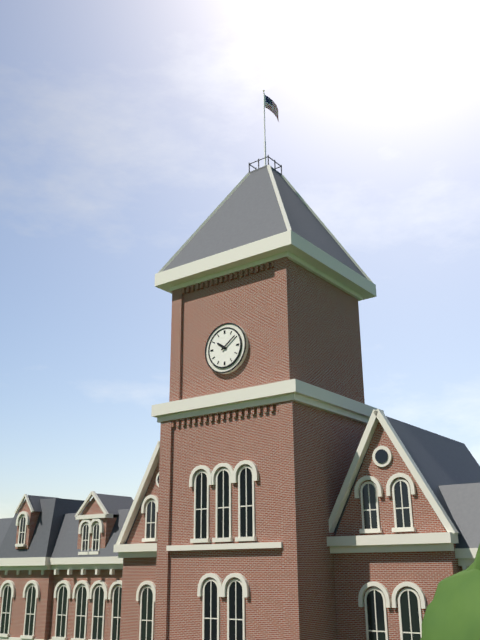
10:09
